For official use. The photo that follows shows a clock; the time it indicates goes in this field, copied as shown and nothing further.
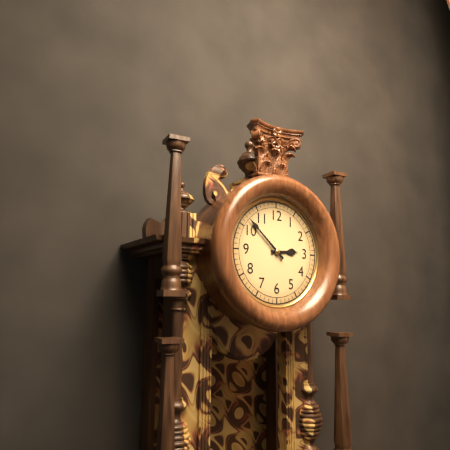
2:52
